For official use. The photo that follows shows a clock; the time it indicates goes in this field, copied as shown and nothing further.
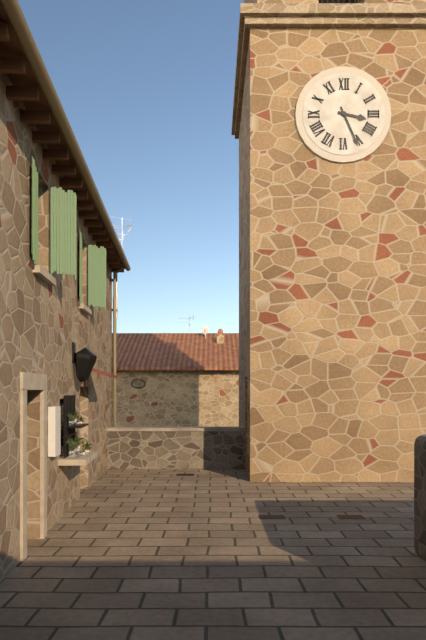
3:26
